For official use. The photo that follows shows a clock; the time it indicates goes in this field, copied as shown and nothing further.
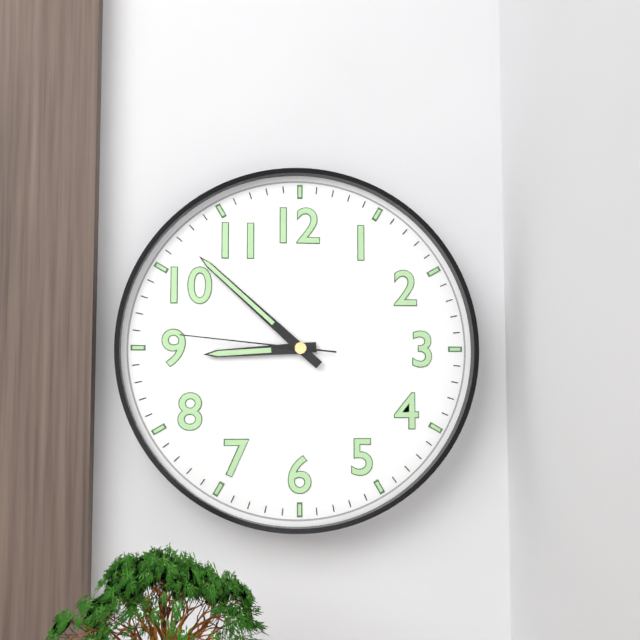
8:52:46
